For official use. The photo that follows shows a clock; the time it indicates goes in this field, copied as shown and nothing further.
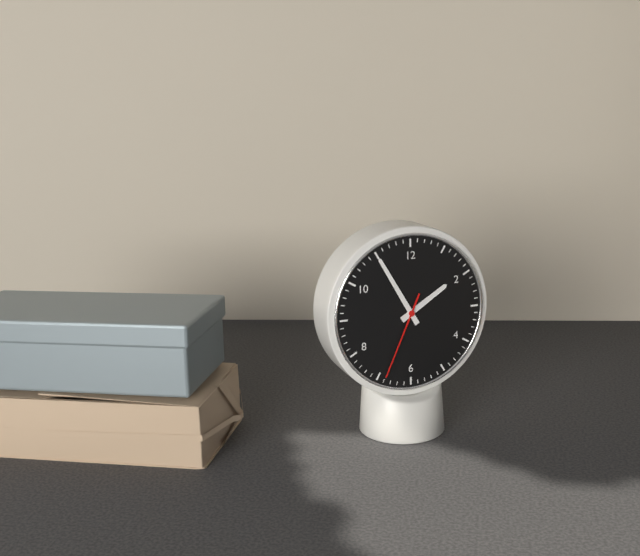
1:55:34
